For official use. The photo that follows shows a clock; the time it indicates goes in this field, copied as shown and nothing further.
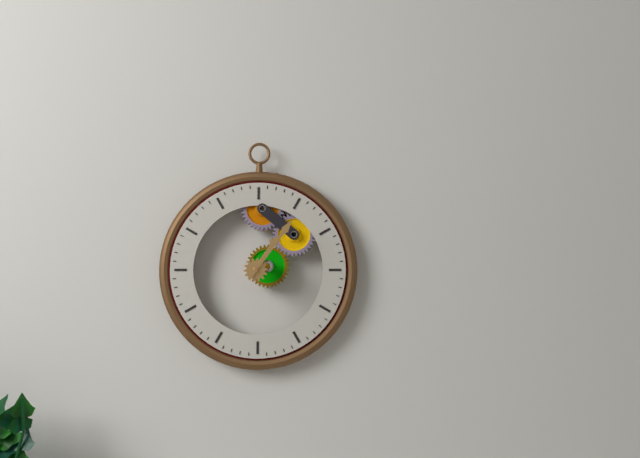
1:06
